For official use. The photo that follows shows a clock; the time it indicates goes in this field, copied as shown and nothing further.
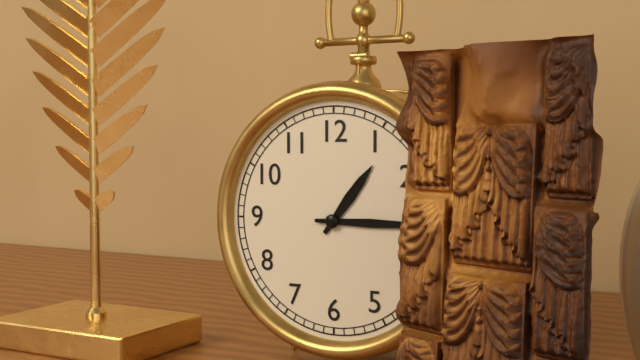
1:15
